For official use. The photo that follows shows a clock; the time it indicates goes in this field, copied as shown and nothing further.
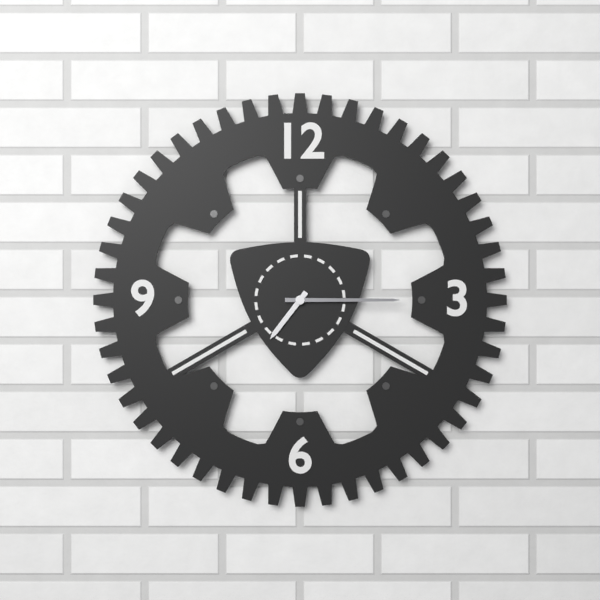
7:15
